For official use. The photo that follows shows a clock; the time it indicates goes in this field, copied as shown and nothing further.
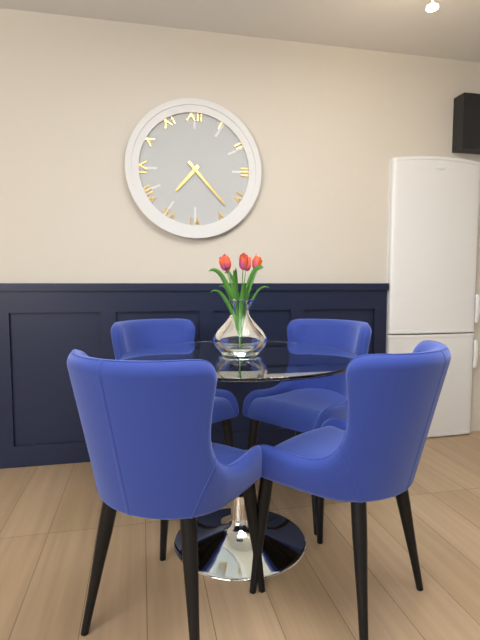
7:23
